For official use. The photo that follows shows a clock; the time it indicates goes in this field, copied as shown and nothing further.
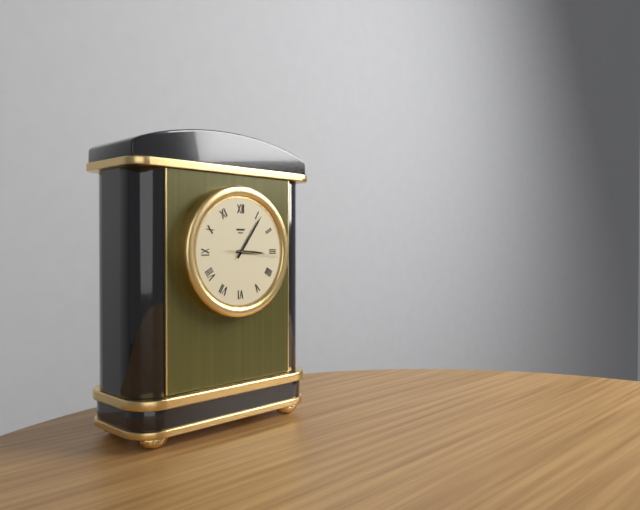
3:06
